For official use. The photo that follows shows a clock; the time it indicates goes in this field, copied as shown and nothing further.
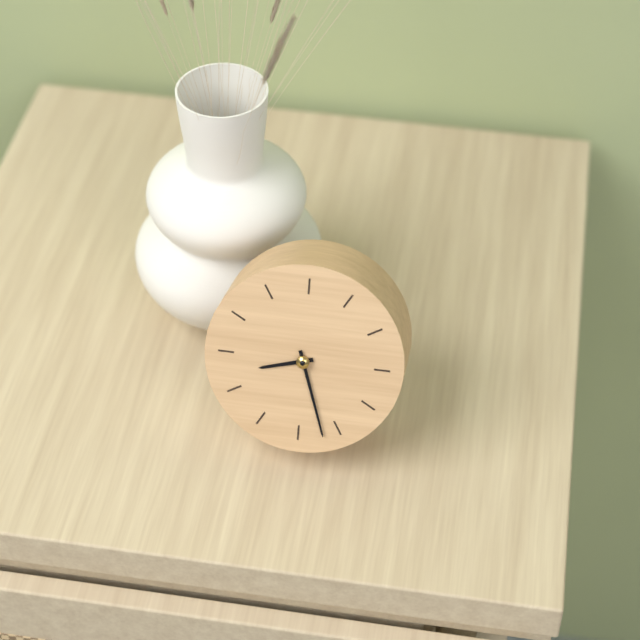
8:27
